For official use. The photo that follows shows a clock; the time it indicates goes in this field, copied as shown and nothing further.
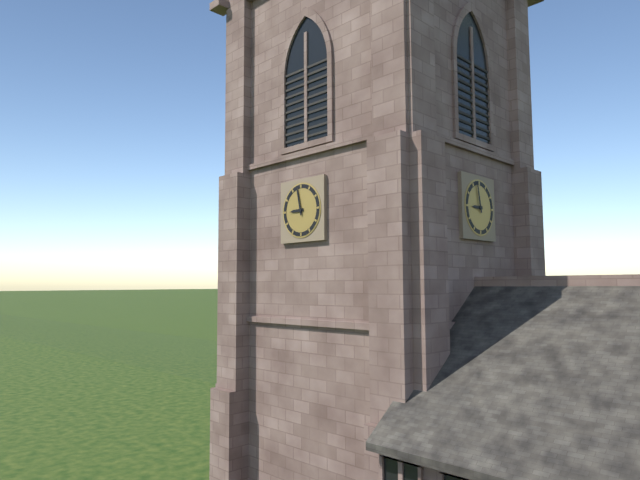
8:58
